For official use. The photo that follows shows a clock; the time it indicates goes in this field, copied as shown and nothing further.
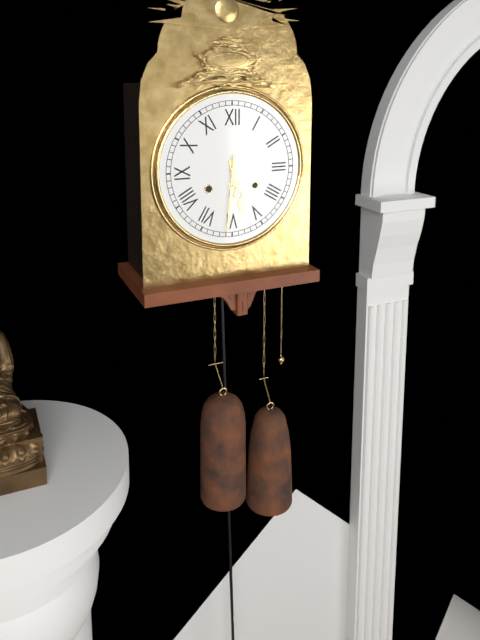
5:31
